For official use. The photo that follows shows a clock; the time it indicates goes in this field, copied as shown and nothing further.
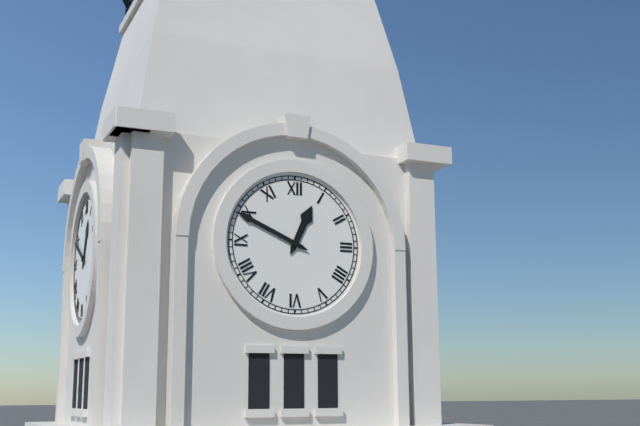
12:49
